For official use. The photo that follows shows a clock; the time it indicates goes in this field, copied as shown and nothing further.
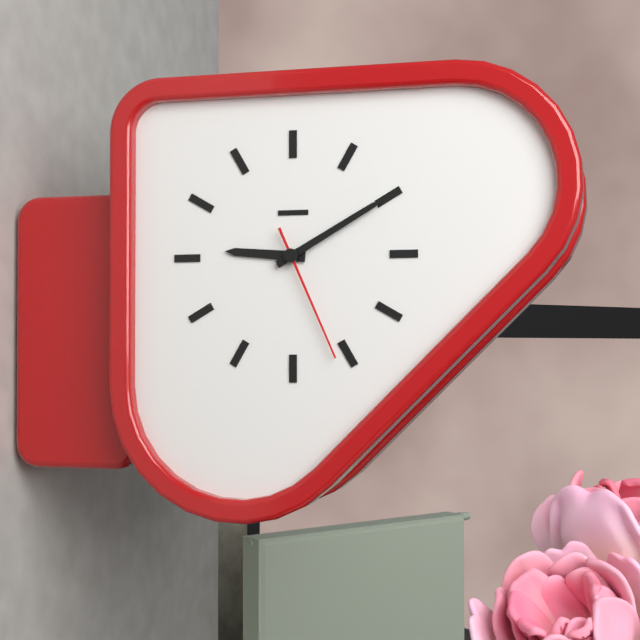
9:10:26
